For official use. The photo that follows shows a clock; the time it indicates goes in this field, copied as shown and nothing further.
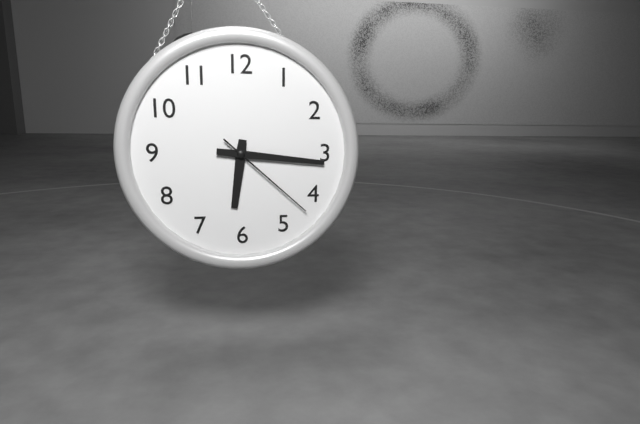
6:16:22
